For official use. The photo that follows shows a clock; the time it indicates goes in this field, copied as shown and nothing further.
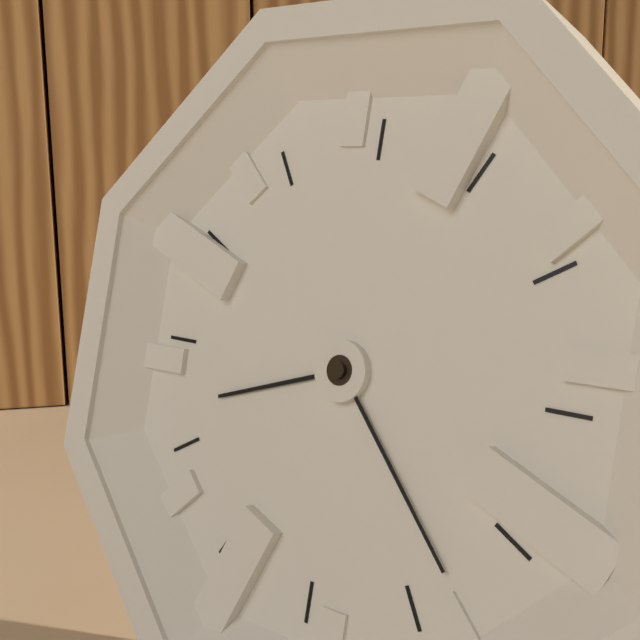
8:23
